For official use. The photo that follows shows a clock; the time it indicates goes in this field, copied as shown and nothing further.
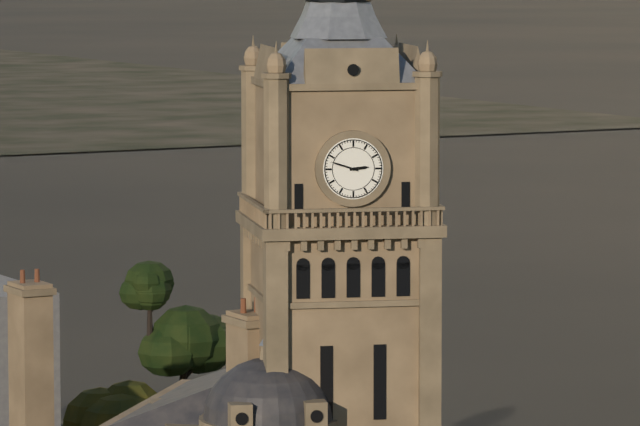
2:48
